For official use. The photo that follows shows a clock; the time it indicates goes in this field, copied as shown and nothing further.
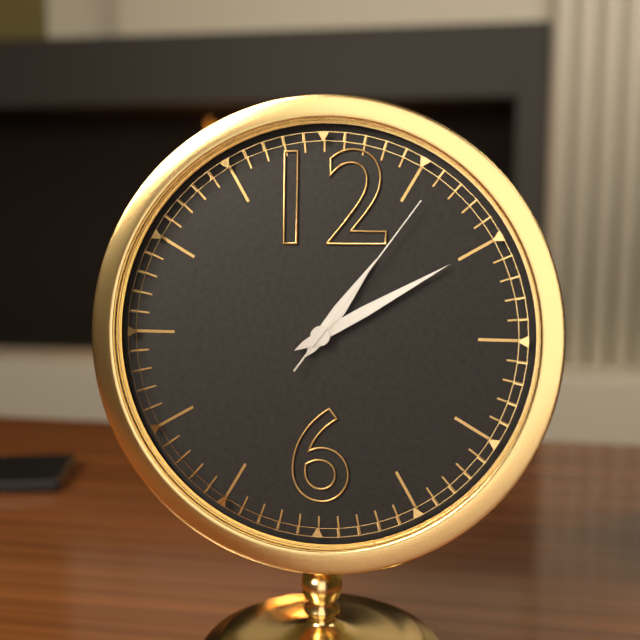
1:10:06
